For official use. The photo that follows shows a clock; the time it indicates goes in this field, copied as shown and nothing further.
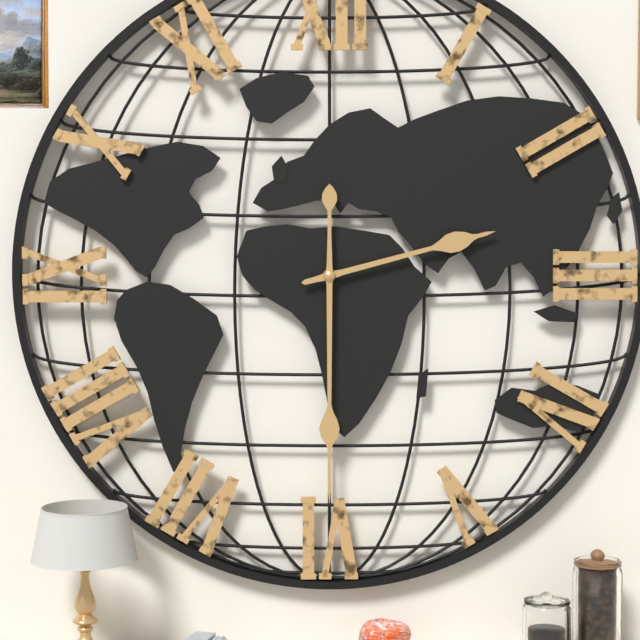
2:30
